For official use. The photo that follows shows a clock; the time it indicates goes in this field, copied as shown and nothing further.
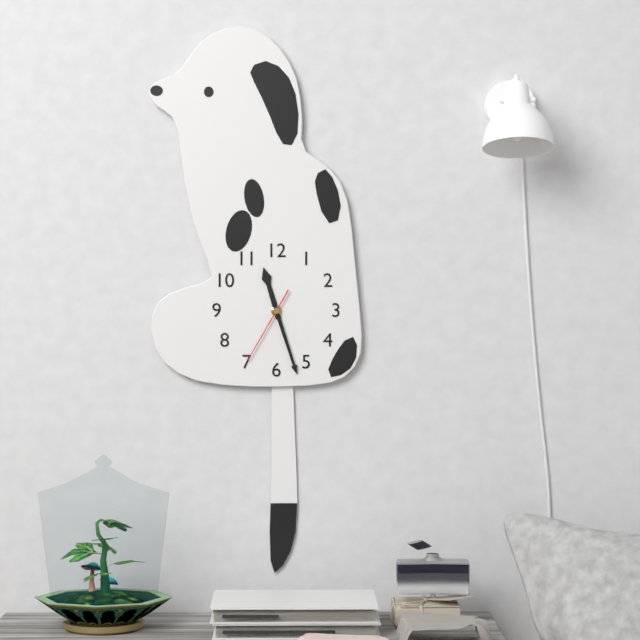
11:27:35
